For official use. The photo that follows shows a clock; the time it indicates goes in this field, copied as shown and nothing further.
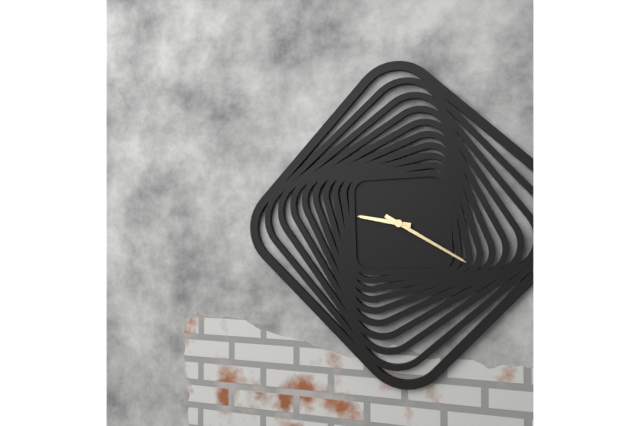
9:20
